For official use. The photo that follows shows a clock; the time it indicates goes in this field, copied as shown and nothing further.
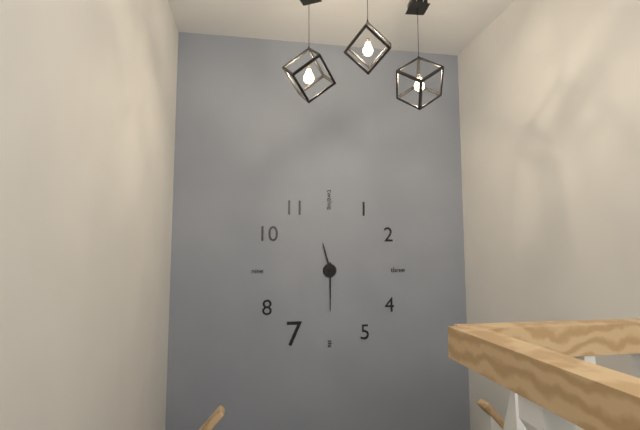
11:30
